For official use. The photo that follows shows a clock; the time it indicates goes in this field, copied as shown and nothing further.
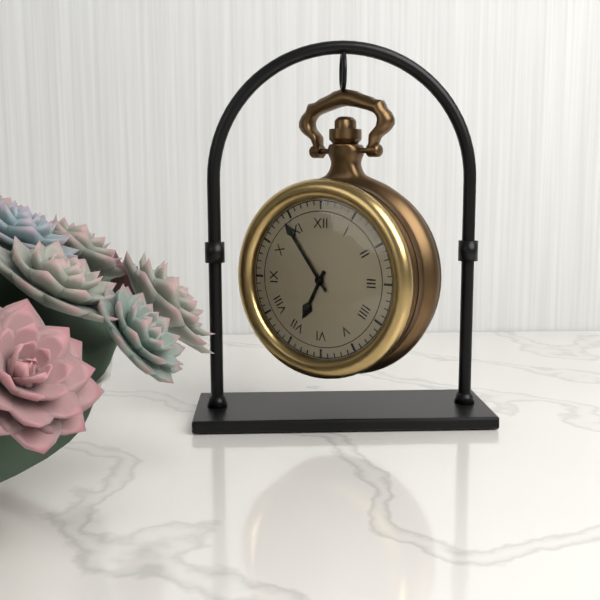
6:54
